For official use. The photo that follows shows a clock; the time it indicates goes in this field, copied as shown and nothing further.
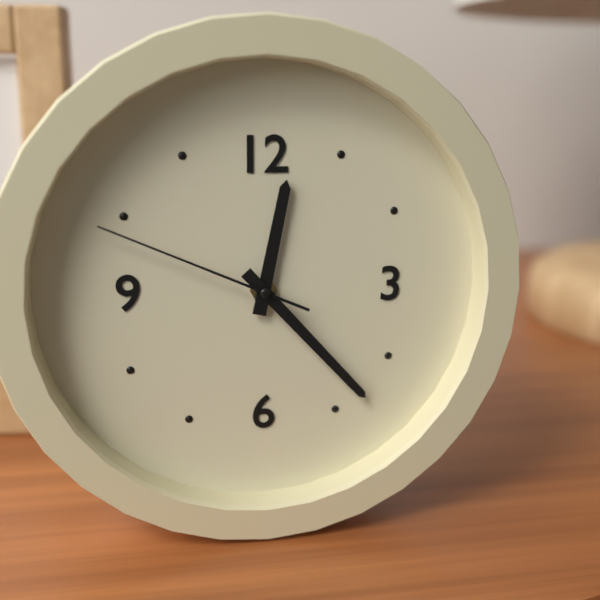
12:23:49
